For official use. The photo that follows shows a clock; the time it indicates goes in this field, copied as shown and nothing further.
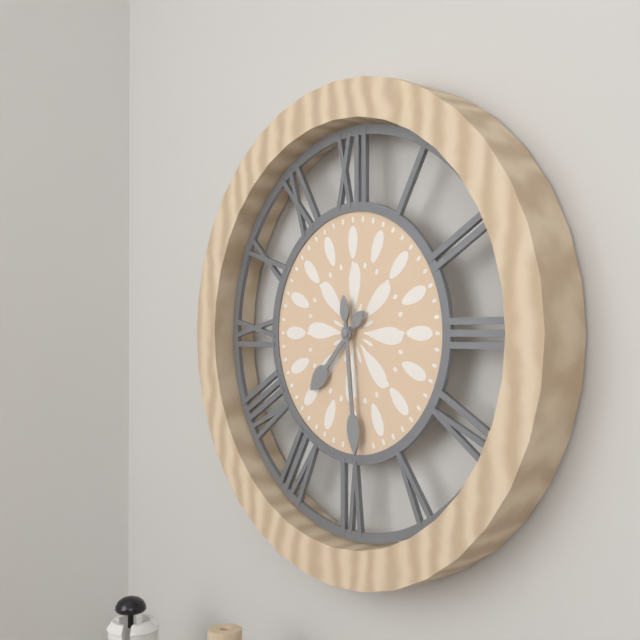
7:29
